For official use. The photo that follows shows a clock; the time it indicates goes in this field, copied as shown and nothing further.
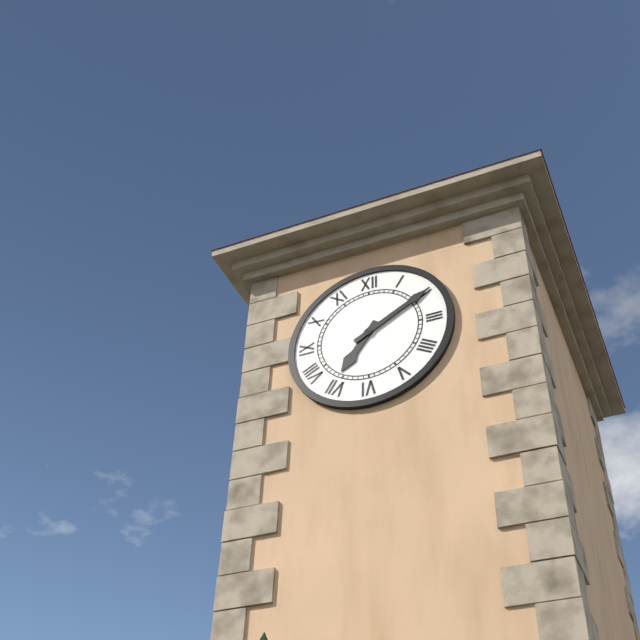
7:10
